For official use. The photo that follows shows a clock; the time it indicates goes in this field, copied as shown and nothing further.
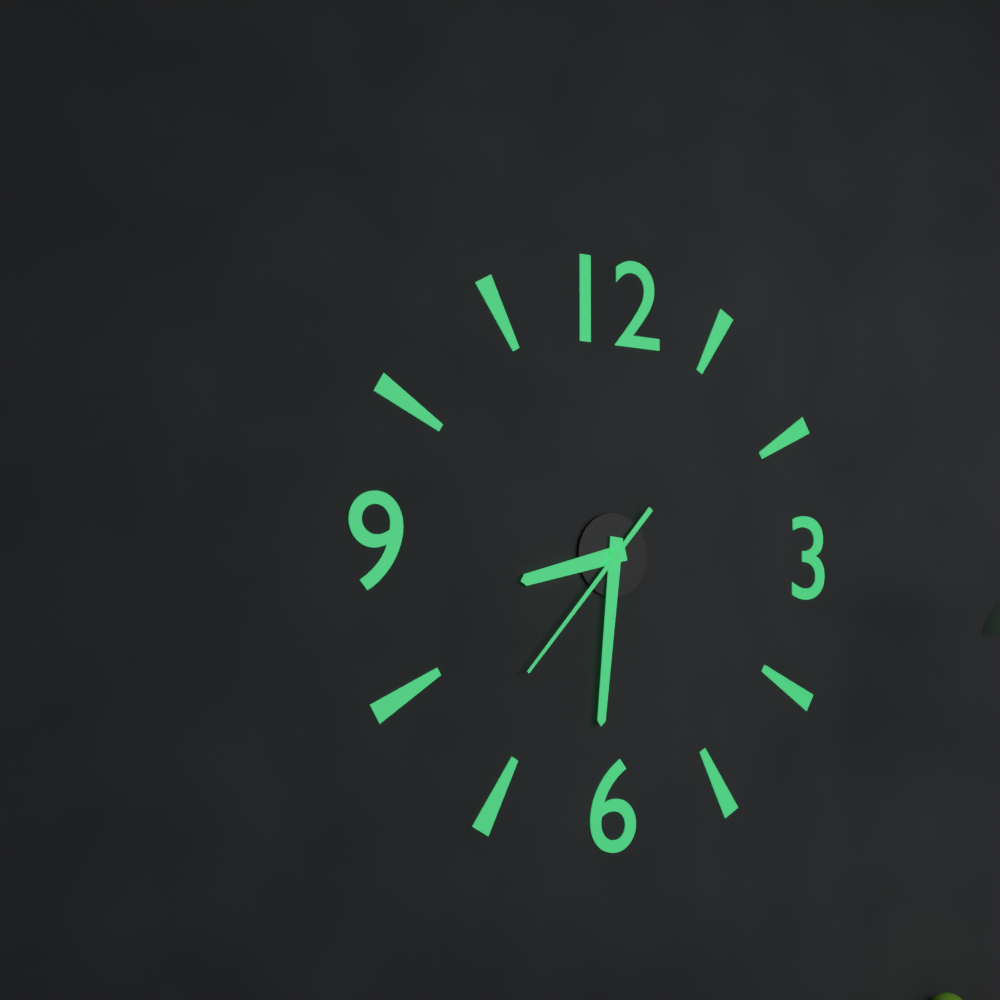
8:31:37
